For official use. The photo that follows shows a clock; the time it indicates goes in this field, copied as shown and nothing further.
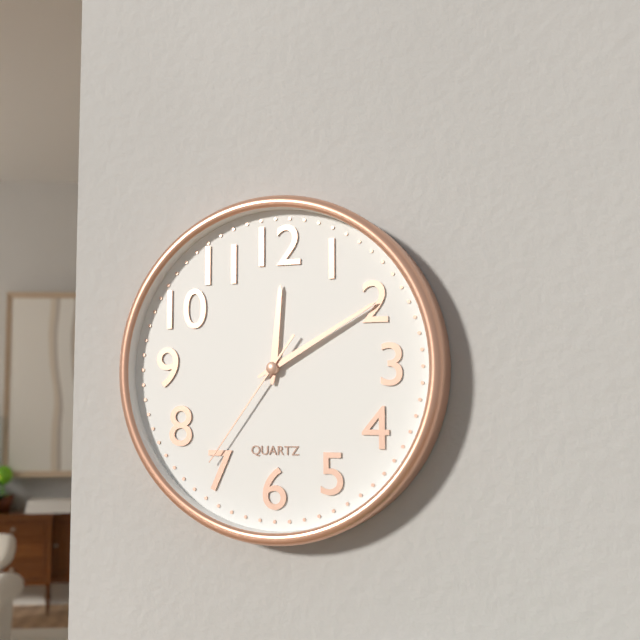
12:10:36
